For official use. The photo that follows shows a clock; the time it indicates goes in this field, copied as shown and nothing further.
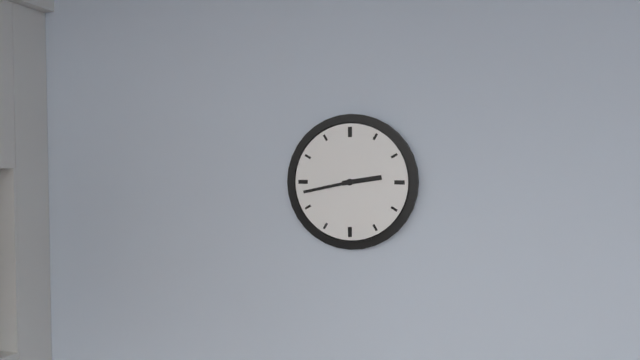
2:43
